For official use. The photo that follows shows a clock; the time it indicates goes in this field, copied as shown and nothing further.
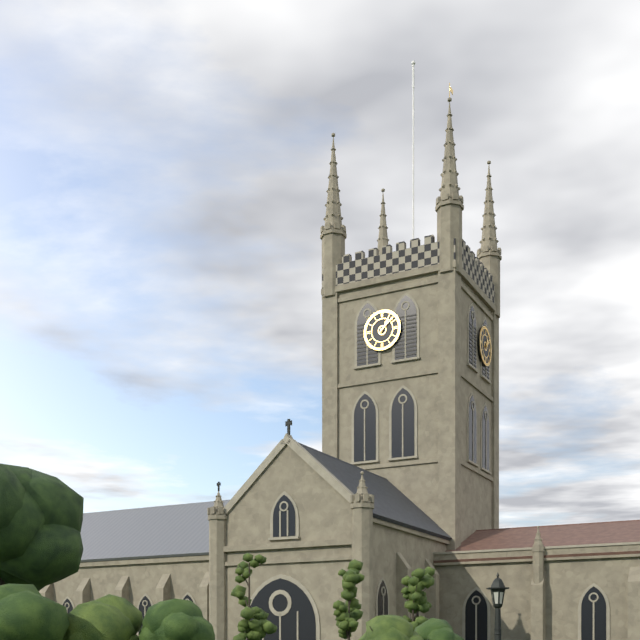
1:08
